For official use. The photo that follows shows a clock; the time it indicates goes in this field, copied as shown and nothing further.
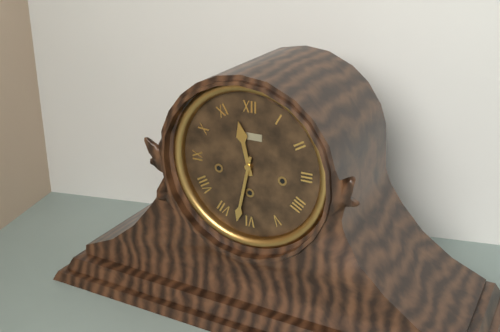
11:32
